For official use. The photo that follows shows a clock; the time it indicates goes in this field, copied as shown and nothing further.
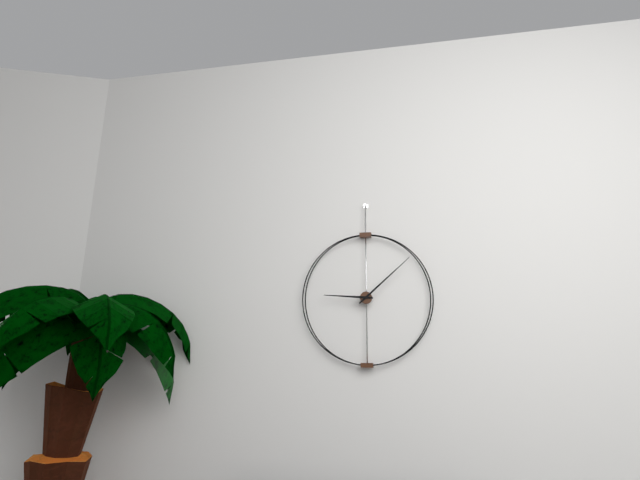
9:08
